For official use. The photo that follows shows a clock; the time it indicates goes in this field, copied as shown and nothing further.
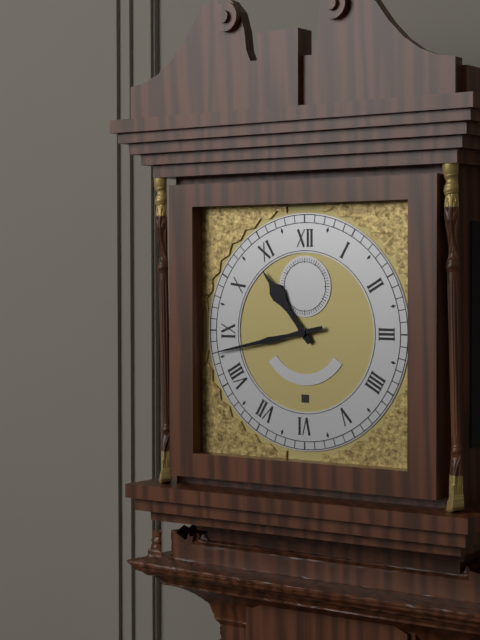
10:43
